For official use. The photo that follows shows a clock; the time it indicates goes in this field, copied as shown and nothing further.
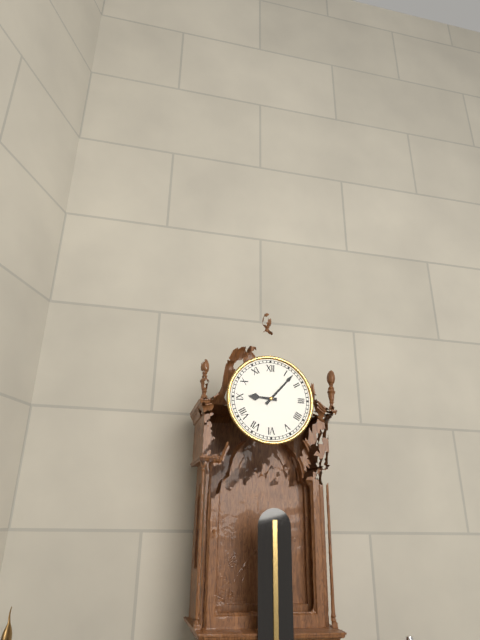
9:07
